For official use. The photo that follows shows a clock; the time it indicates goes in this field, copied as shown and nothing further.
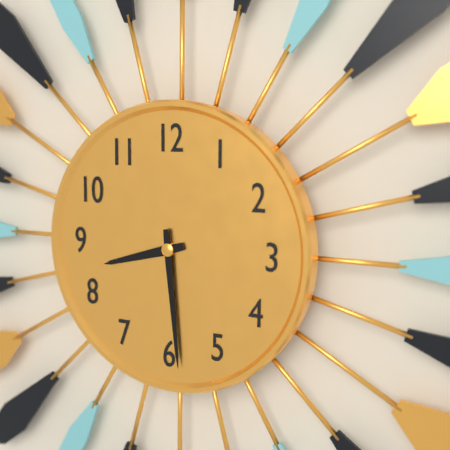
8:29
